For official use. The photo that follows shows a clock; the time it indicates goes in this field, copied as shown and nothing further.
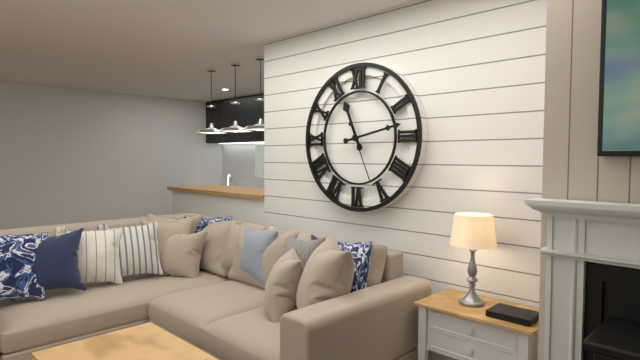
11:13:26
